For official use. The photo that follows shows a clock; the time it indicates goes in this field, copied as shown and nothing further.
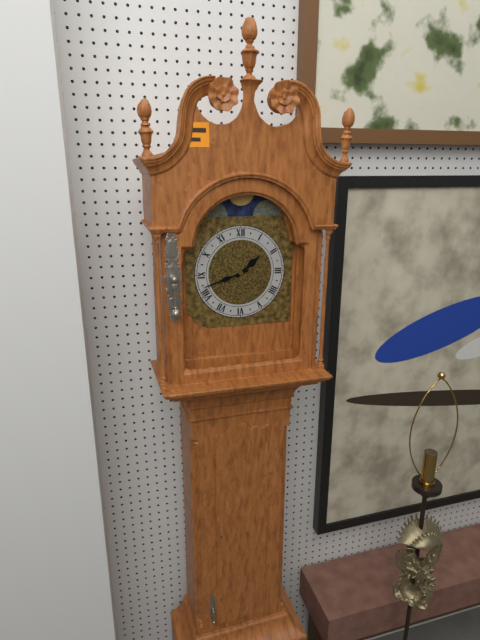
1:42
